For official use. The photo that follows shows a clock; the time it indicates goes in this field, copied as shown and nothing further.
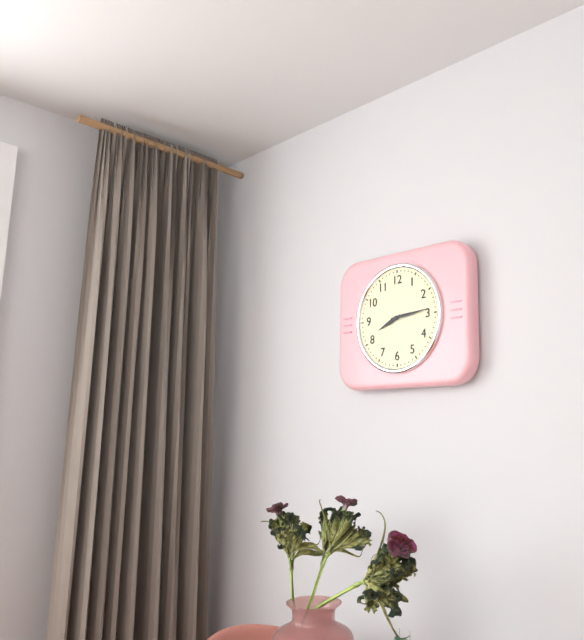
8:14
